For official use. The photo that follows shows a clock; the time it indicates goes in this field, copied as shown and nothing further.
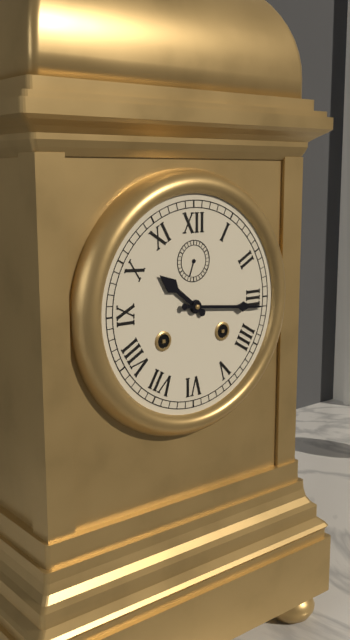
10:16
